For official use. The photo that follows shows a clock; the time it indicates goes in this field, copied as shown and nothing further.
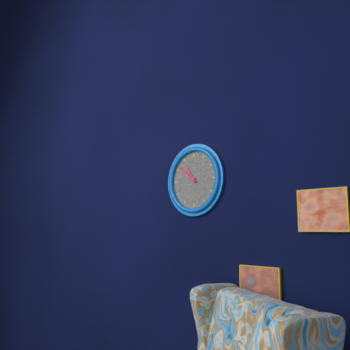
10:51
